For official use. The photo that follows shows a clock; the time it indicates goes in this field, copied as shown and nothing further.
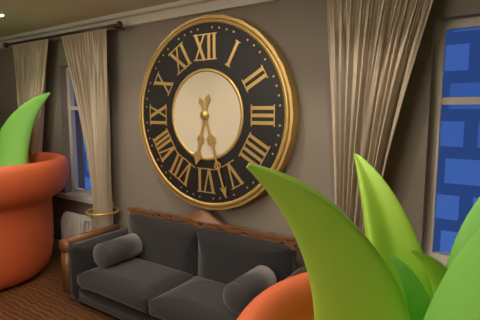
6:27
